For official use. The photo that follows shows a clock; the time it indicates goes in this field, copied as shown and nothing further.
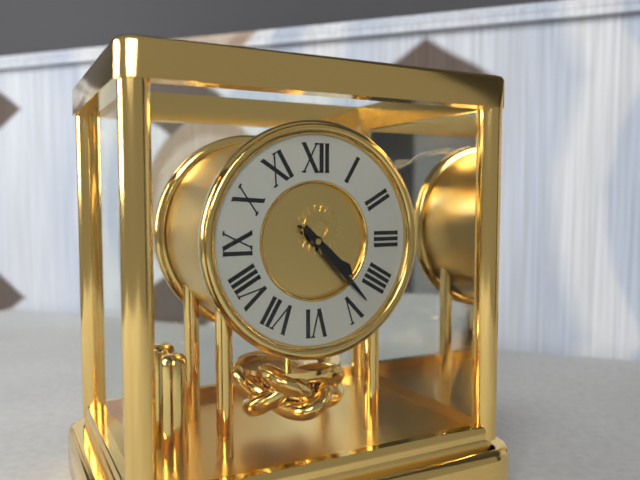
4:23
